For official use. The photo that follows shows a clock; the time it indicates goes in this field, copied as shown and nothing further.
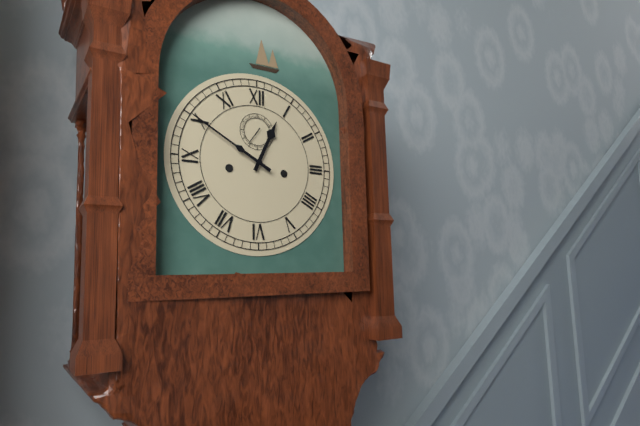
12:50
